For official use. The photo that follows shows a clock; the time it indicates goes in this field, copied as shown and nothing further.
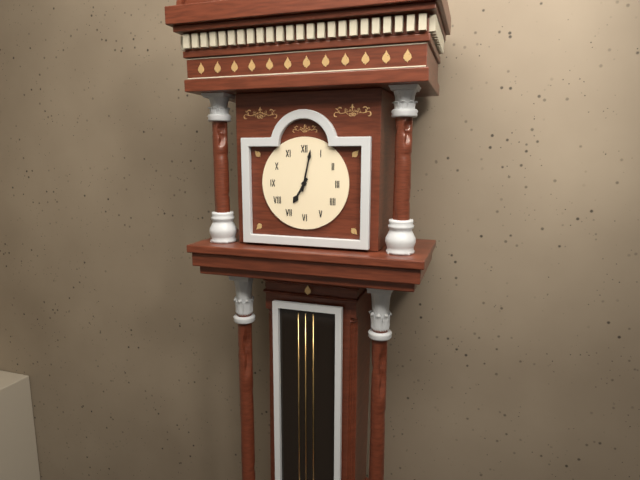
7:02
